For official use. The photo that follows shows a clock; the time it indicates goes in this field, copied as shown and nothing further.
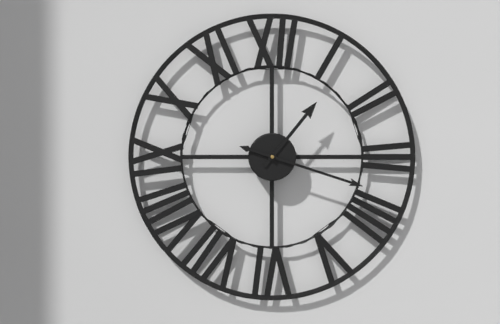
1:18
